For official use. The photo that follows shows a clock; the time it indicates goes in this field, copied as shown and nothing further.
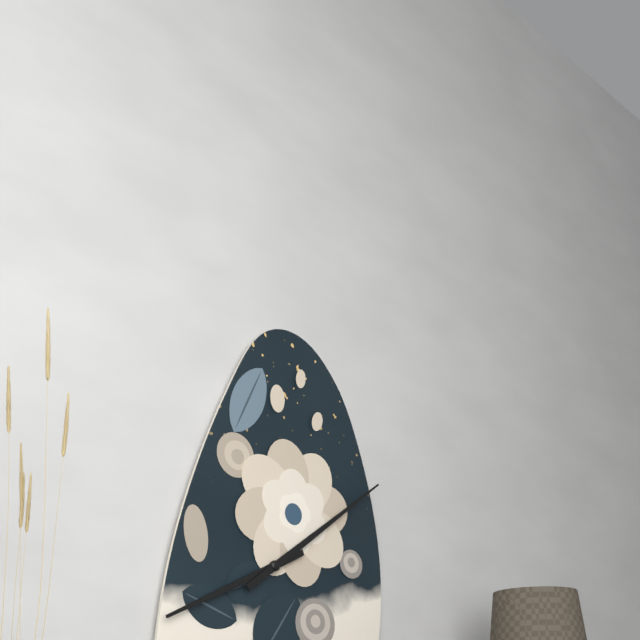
8:09
